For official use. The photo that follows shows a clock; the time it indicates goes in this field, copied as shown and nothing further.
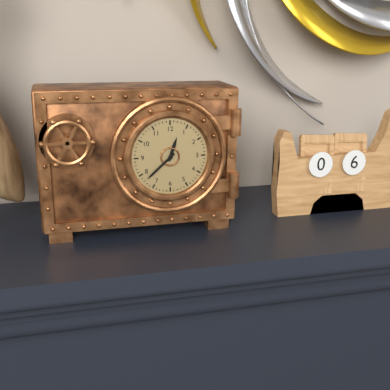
12:38
